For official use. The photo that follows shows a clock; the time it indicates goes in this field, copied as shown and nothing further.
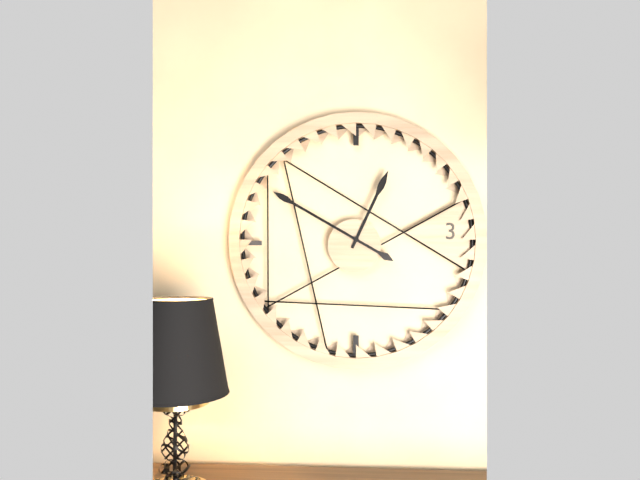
12:50
